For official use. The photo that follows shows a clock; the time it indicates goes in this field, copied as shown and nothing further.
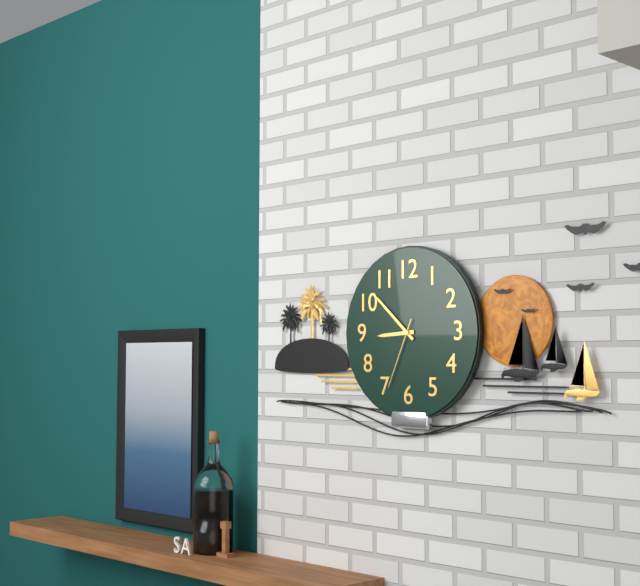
8:52:34
